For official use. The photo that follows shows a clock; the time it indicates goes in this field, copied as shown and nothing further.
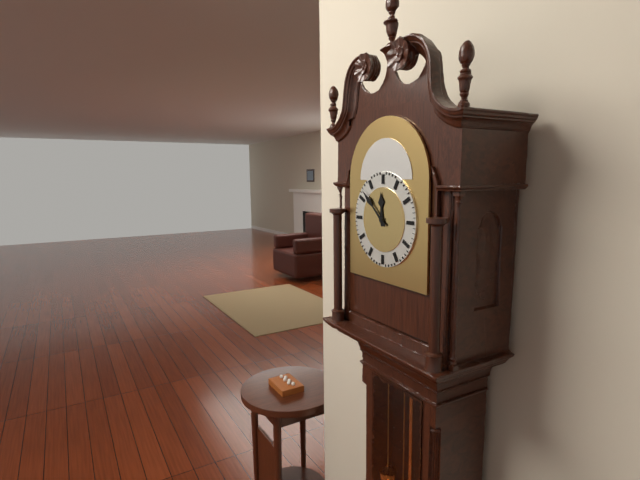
11:52
